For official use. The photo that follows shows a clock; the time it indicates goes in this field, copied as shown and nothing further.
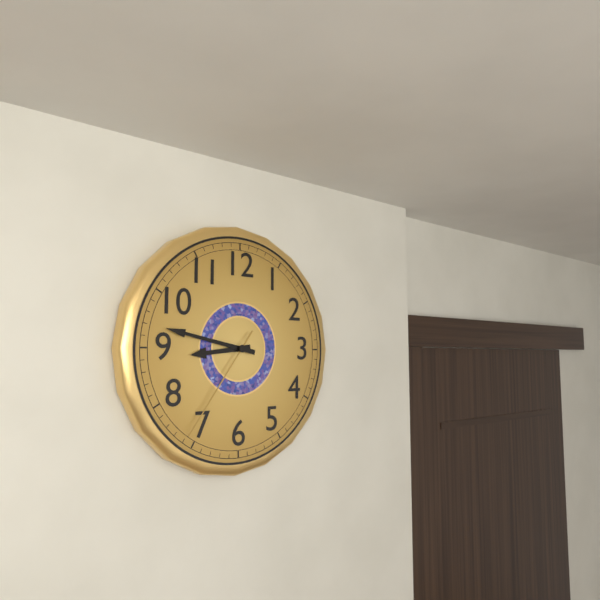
8:47:36
